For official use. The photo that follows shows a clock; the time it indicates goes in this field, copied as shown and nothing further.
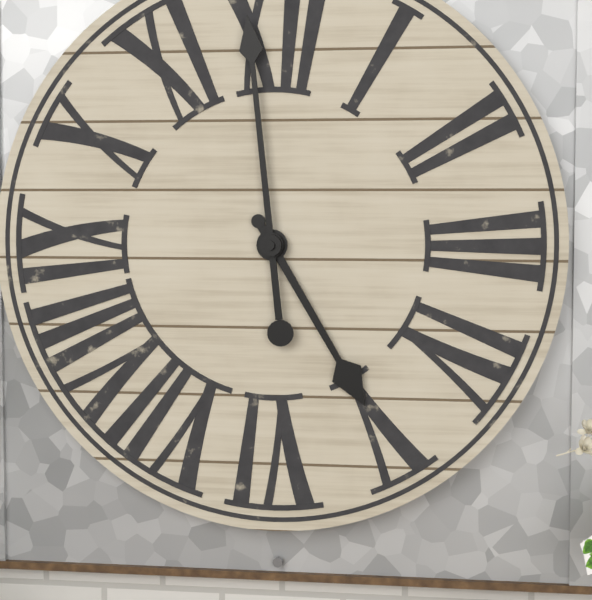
4:59
